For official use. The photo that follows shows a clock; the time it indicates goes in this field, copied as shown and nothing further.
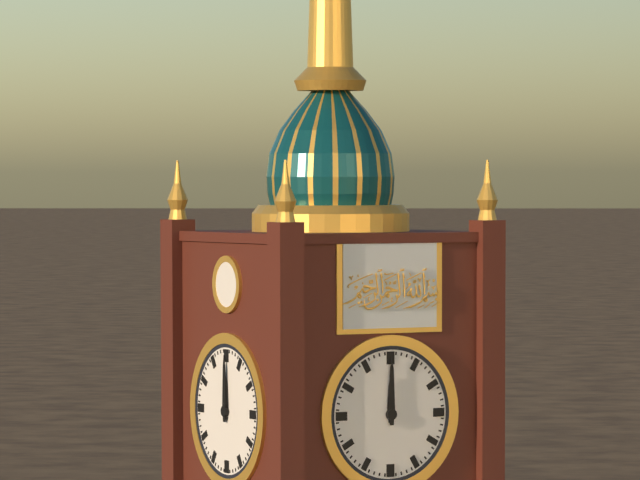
12:00
